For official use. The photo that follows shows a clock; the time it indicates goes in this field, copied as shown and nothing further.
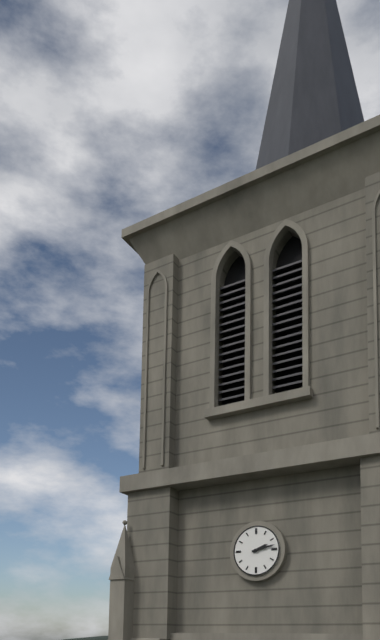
2:13
